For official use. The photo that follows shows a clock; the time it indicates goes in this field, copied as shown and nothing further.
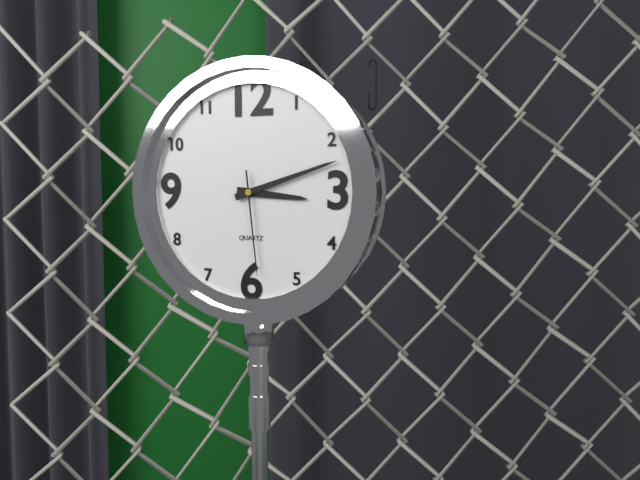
3:12:29
